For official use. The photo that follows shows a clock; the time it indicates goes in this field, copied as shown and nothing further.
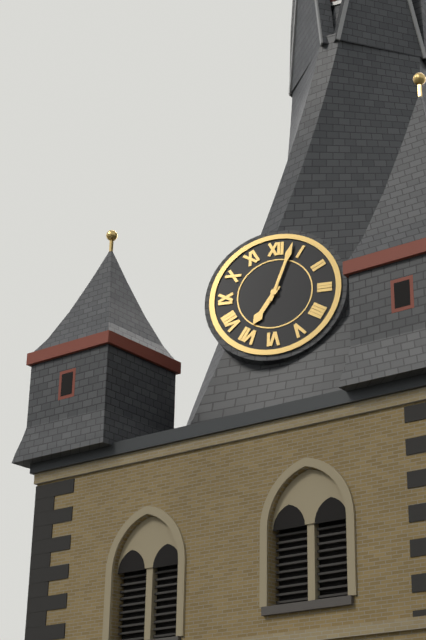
7:03
